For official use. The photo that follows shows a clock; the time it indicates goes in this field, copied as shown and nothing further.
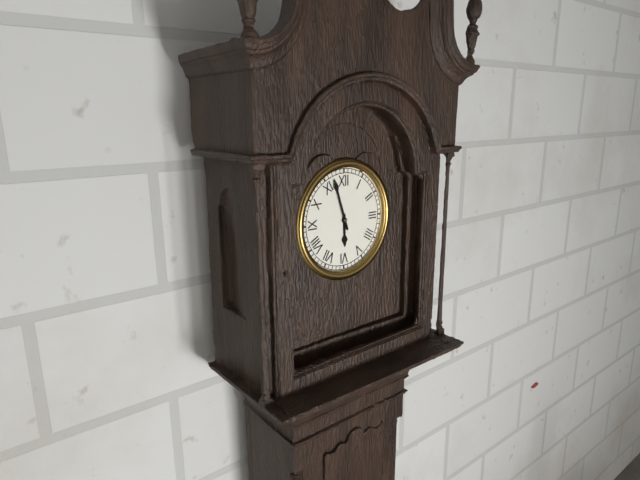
5:57
